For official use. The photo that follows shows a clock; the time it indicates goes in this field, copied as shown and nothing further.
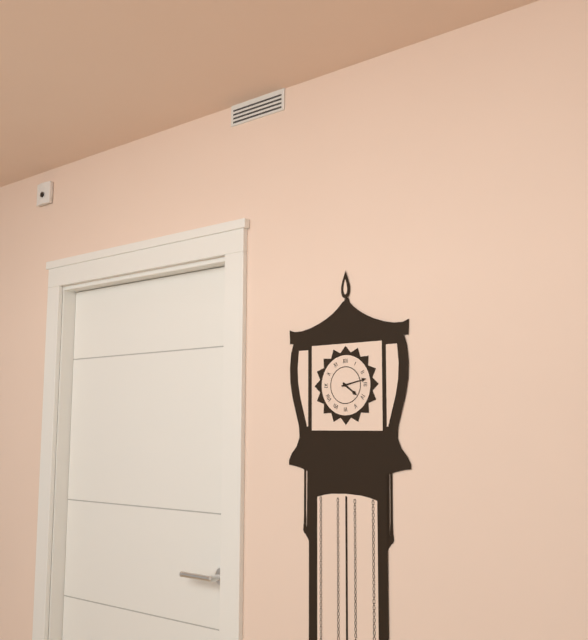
4:13
